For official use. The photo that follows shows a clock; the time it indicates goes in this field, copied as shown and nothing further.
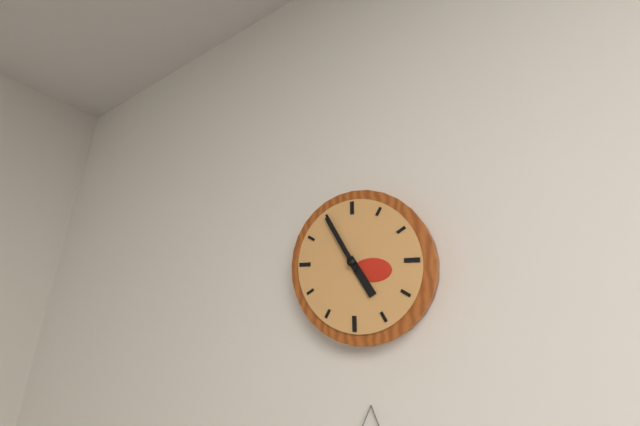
4:55
